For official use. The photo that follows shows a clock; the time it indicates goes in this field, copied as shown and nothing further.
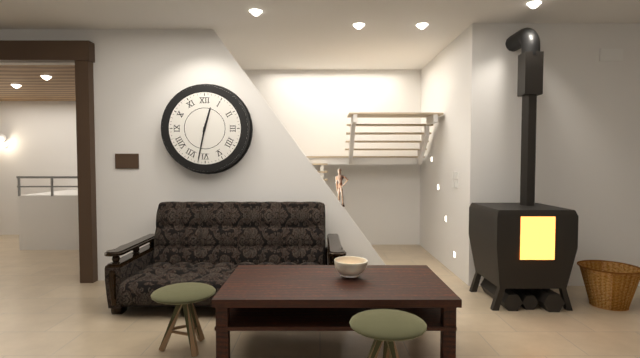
12:32
